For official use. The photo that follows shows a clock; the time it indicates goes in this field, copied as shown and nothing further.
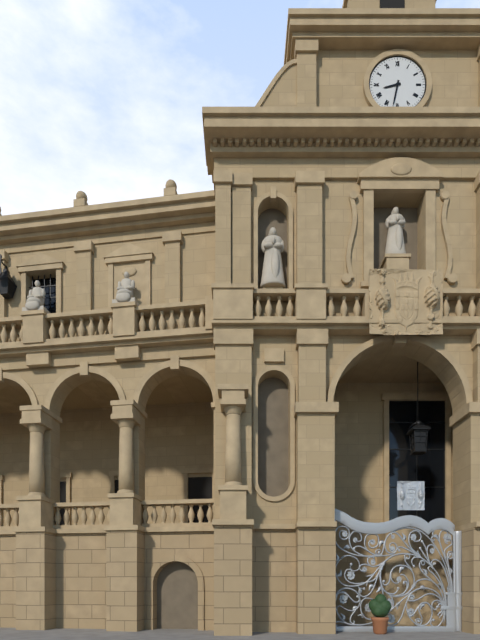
8:32
